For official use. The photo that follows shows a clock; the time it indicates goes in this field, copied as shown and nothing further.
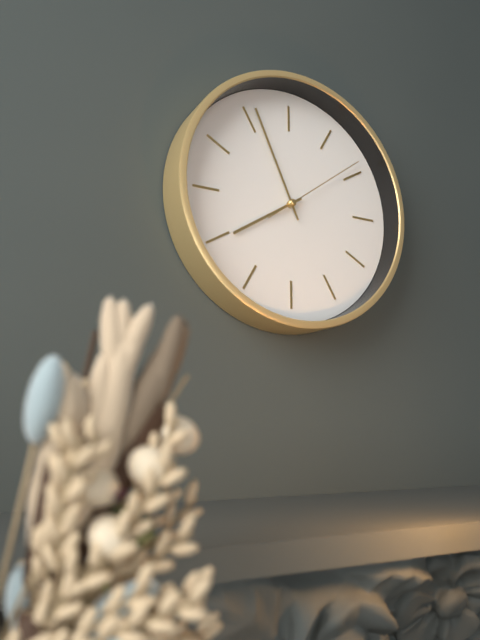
7:56:09
